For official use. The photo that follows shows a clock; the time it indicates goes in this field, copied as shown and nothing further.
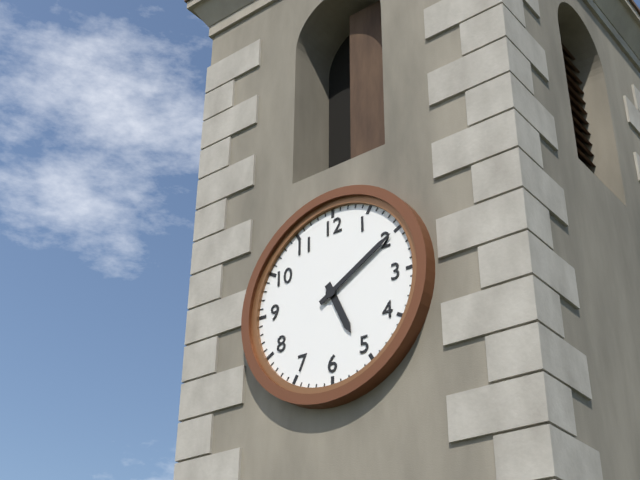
5:10
